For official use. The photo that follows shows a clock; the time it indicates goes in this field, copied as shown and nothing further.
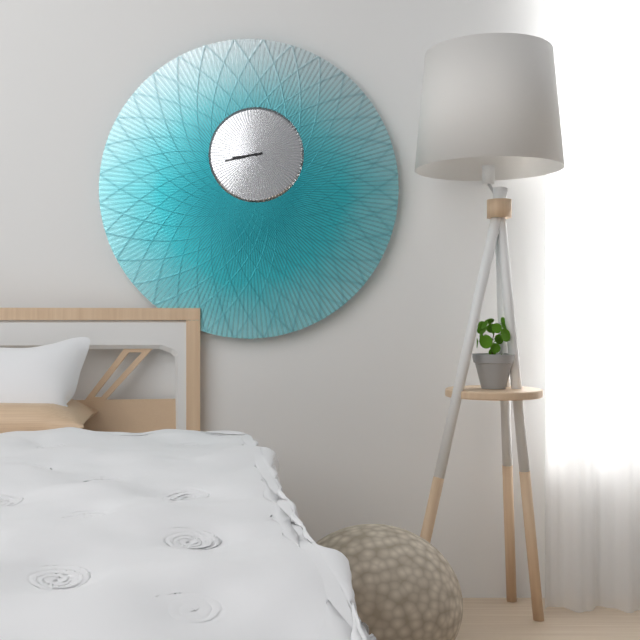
8:43
